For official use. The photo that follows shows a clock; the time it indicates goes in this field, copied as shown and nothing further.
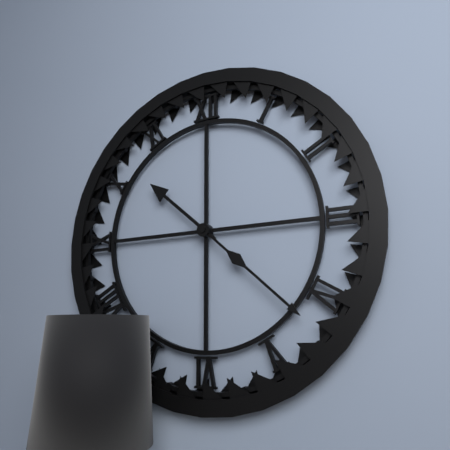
10:22
